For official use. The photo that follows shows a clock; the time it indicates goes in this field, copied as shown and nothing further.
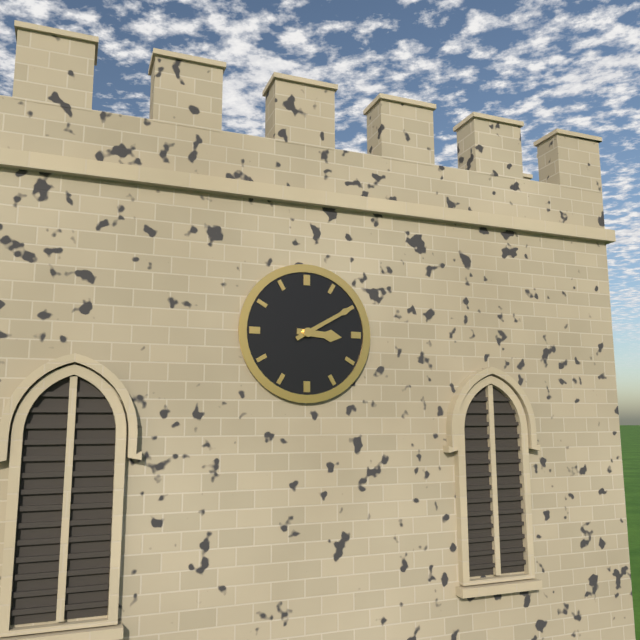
3:10
